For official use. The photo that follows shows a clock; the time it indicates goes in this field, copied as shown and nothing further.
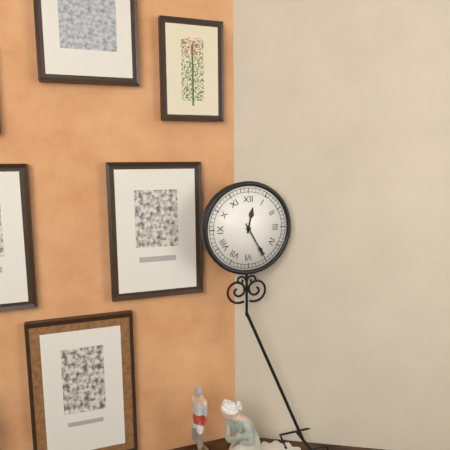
12:25
